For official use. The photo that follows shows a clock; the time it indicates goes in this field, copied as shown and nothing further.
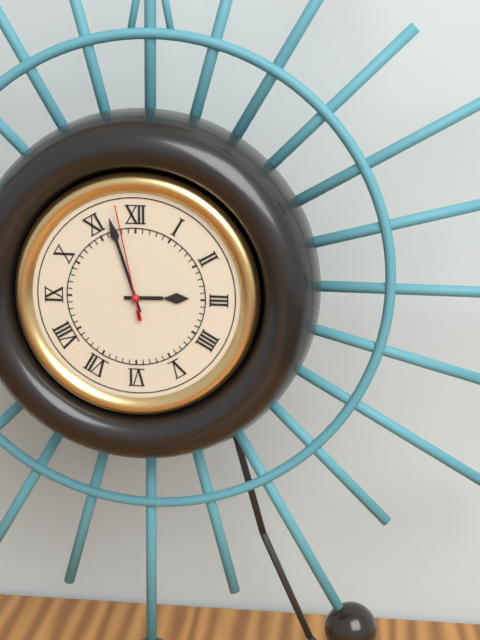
2:57:58
